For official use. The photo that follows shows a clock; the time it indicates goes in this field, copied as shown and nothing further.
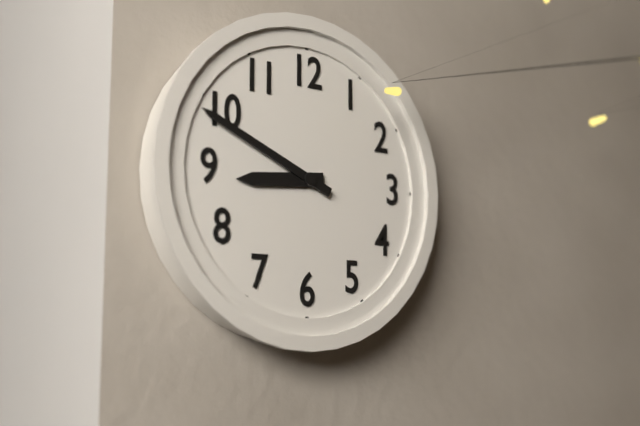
8:49
